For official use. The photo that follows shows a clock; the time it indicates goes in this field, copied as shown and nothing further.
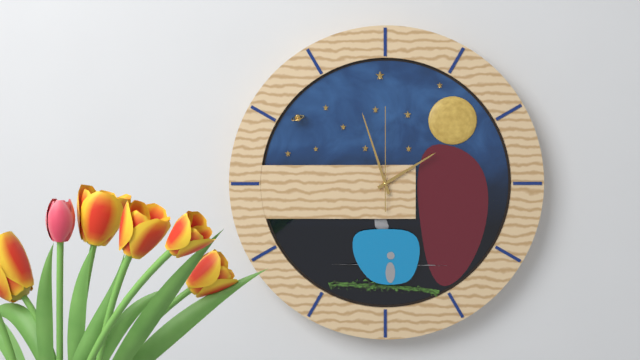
1:57:00
